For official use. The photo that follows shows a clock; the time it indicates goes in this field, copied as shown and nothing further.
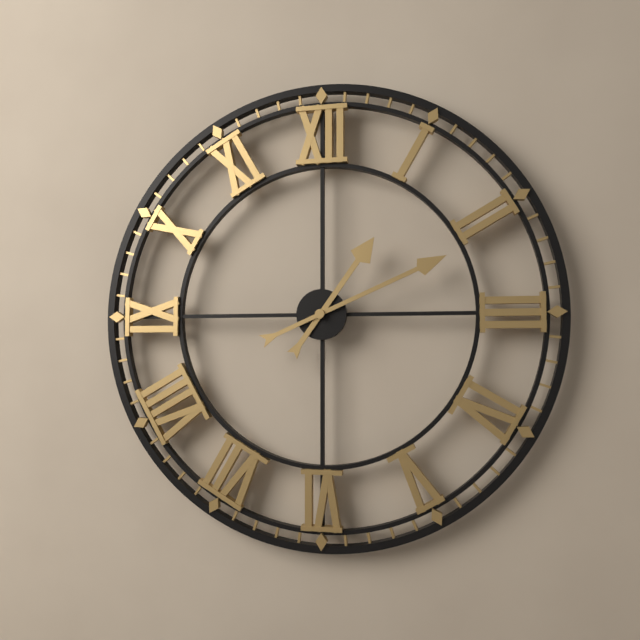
1:11
